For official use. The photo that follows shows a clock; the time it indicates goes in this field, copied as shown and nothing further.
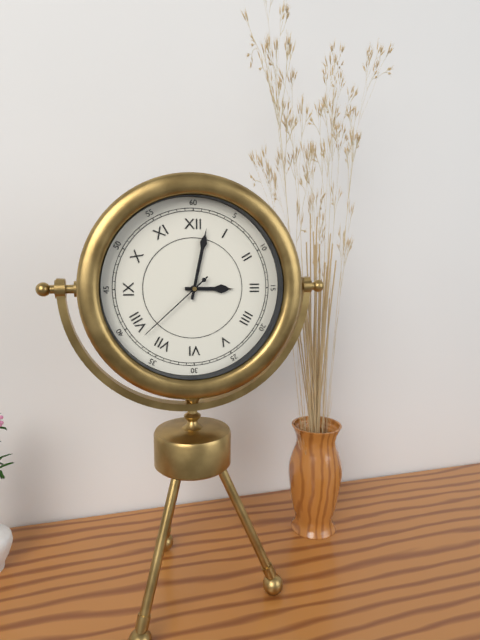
3:02:38
